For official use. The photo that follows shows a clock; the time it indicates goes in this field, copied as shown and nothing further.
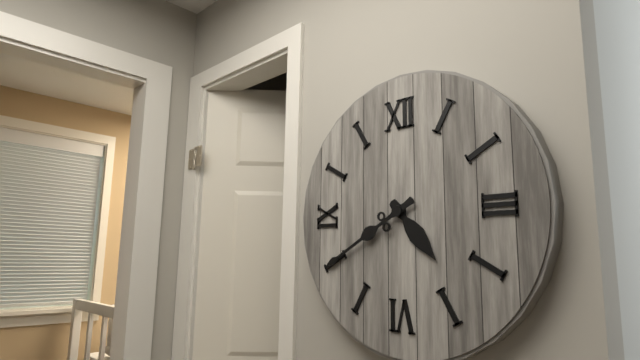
4:40
